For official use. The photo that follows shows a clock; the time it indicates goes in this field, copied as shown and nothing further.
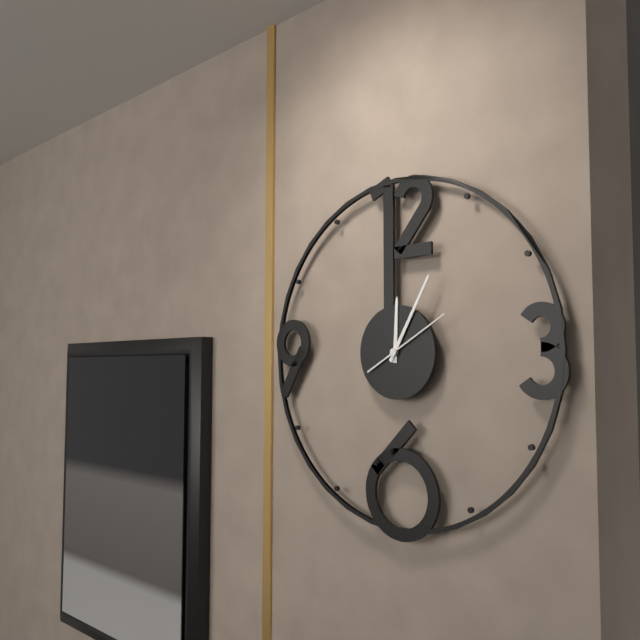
12:05:10
